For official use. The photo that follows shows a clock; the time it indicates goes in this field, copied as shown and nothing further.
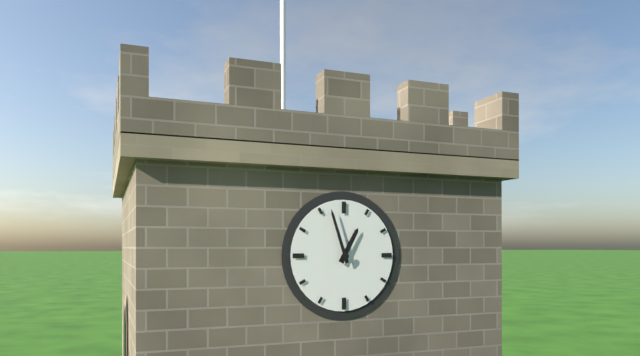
12:57
